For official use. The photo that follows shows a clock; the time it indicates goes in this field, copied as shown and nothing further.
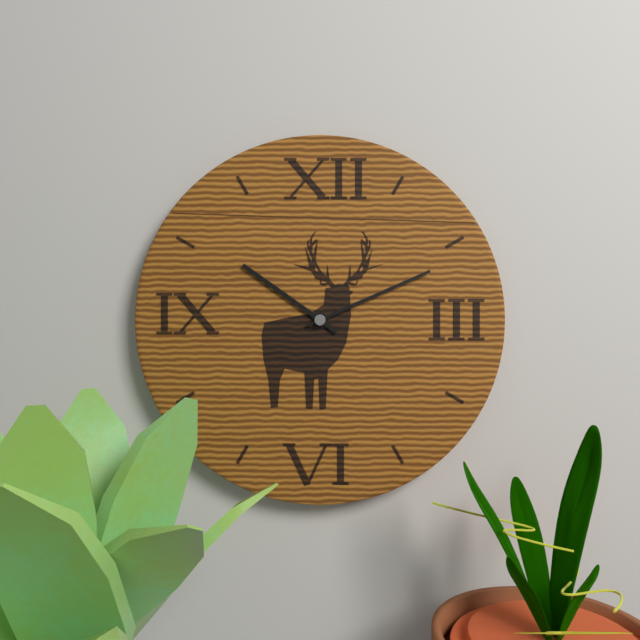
10:11
